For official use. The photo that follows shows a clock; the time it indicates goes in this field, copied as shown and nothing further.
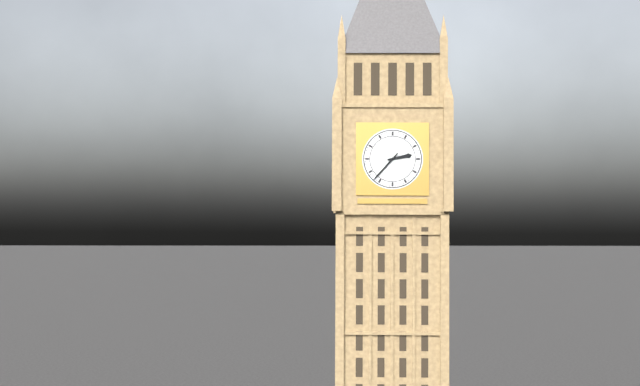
2:37
